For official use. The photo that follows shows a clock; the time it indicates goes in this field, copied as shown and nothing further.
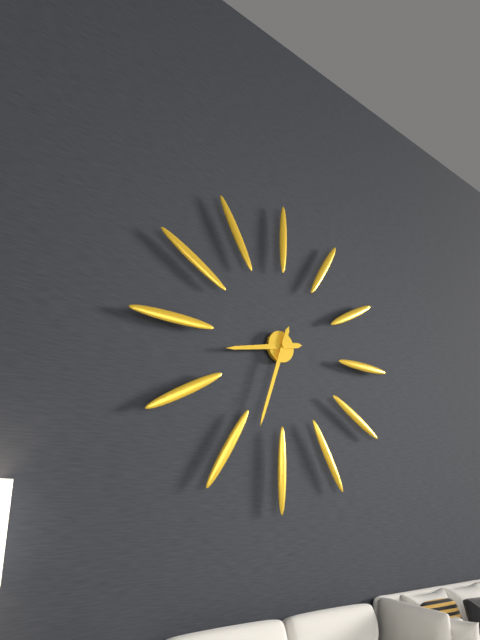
8:33
